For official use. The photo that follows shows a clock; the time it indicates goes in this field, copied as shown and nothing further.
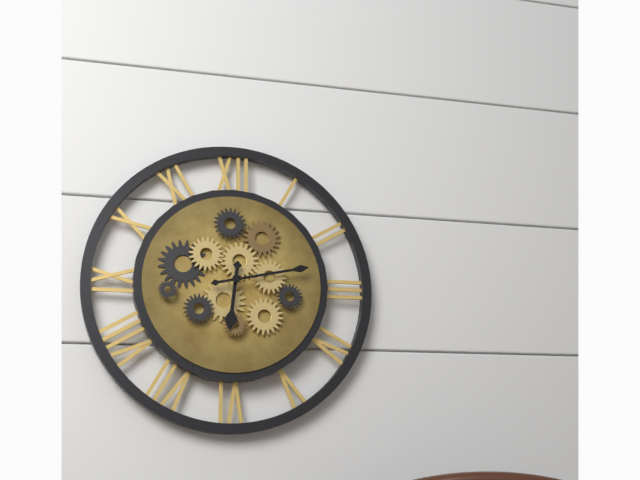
6:13
